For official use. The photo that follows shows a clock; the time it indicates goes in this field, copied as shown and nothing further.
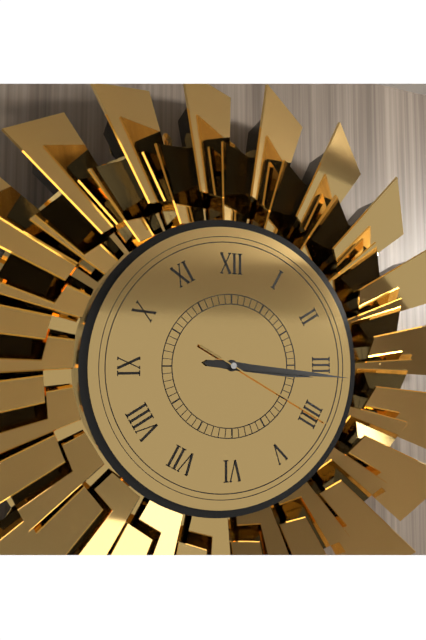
3:16:20
